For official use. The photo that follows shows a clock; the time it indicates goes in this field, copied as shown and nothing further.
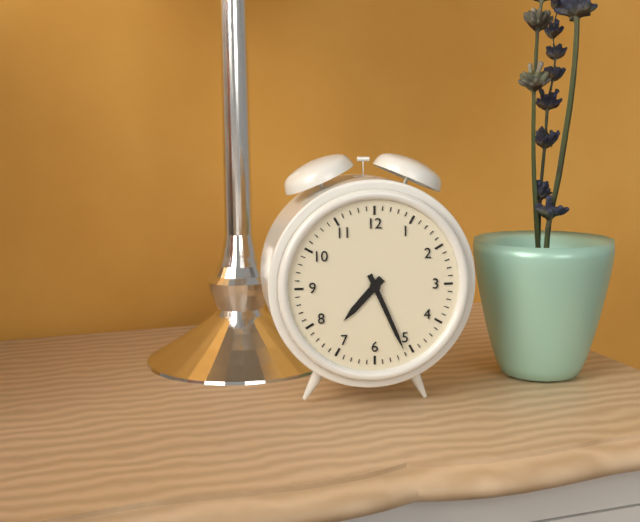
7:26
